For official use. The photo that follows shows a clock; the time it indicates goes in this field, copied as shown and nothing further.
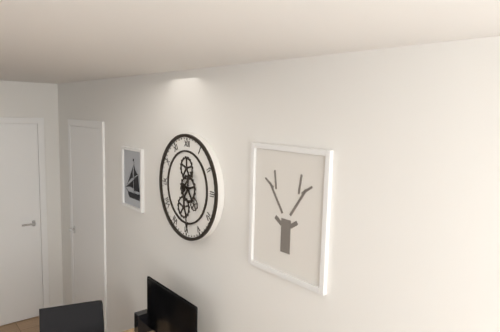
1:28
